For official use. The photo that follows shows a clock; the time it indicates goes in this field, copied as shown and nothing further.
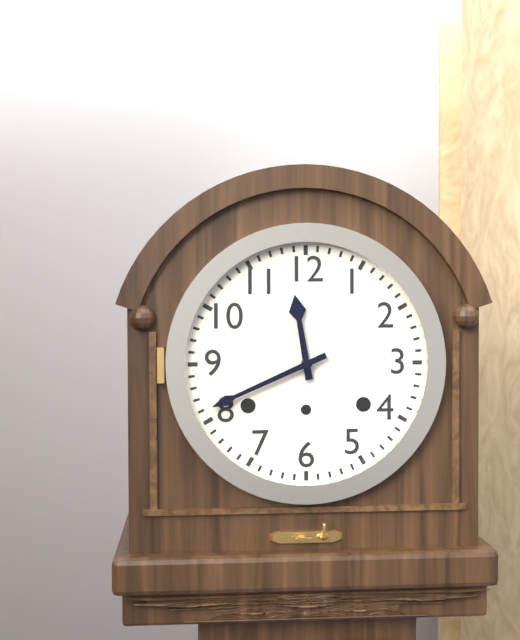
11:41
